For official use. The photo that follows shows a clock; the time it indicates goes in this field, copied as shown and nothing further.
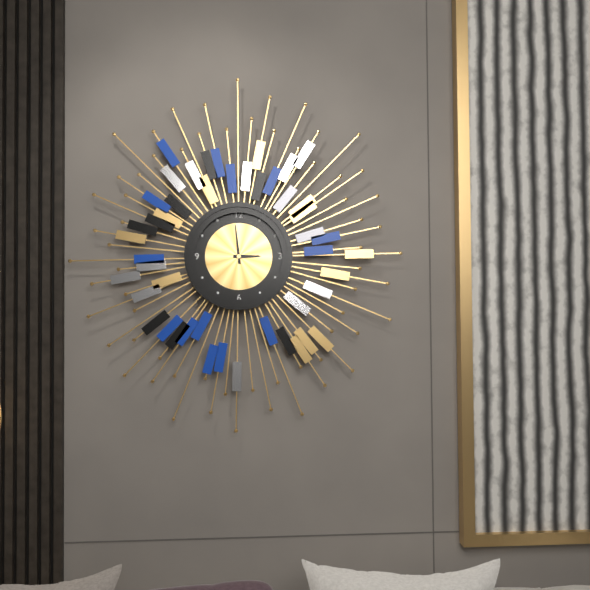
2:59
